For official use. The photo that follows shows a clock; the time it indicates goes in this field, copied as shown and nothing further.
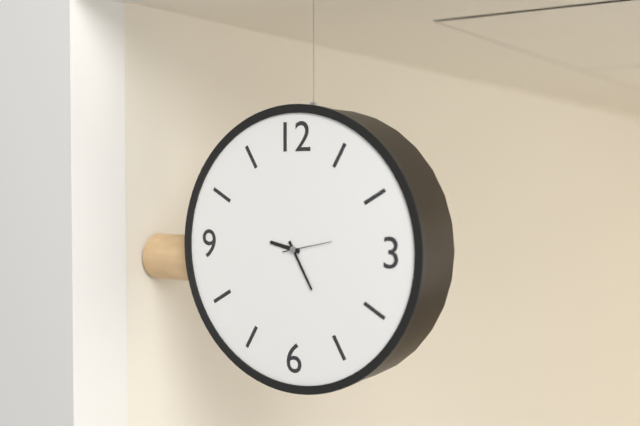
9:25
